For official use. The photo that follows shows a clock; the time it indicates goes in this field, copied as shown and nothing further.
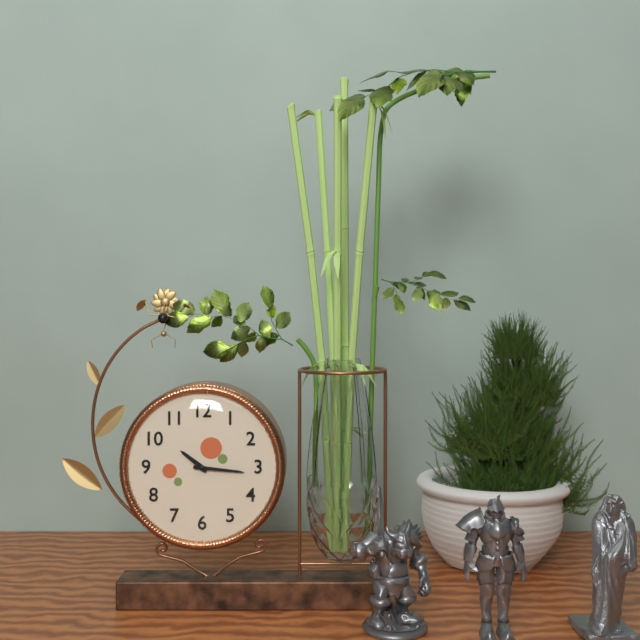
10:16
